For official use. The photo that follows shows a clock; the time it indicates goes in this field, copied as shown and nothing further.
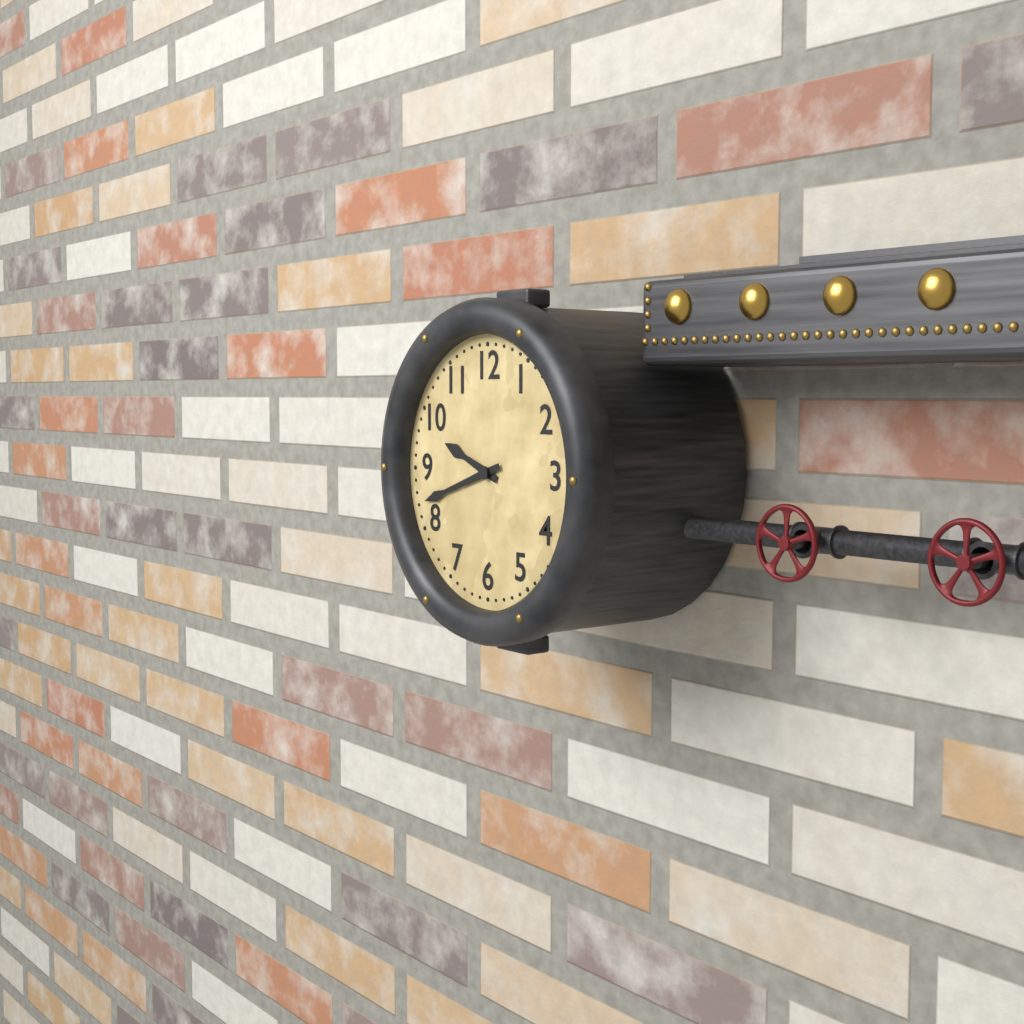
9:42
